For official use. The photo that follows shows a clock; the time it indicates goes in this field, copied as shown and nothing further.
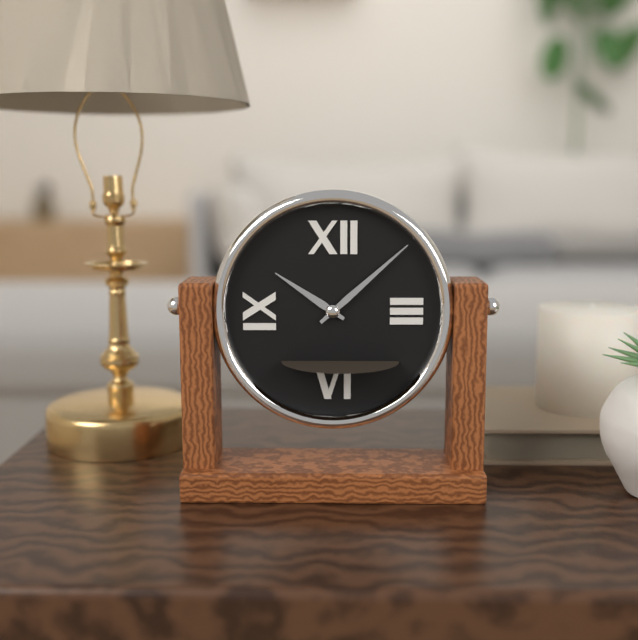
10:08
